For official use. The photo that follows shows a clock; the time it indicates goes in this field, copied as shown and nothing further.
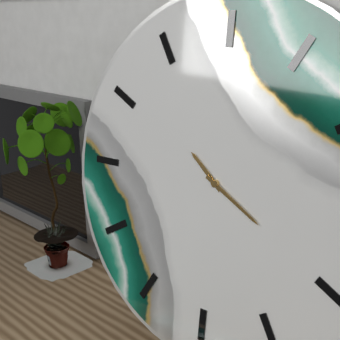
10:20
